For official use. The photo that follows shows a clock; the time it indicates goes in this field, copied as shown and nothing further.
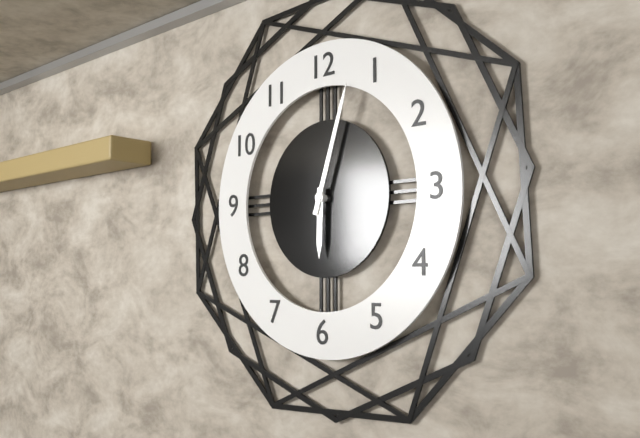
6:03
